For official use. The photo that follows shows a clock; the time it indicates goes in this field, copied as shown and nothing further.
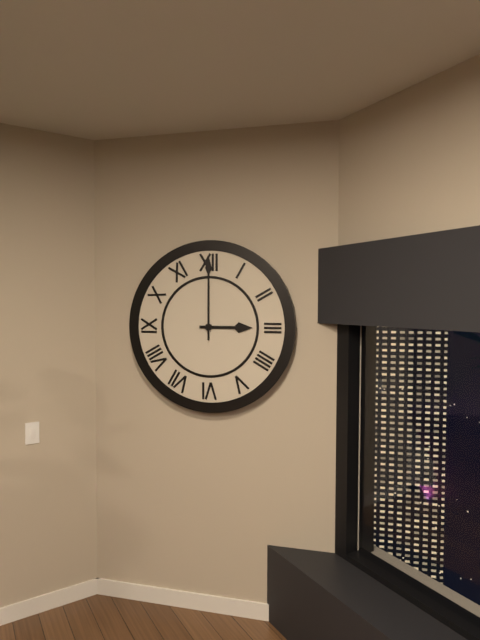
3:00
